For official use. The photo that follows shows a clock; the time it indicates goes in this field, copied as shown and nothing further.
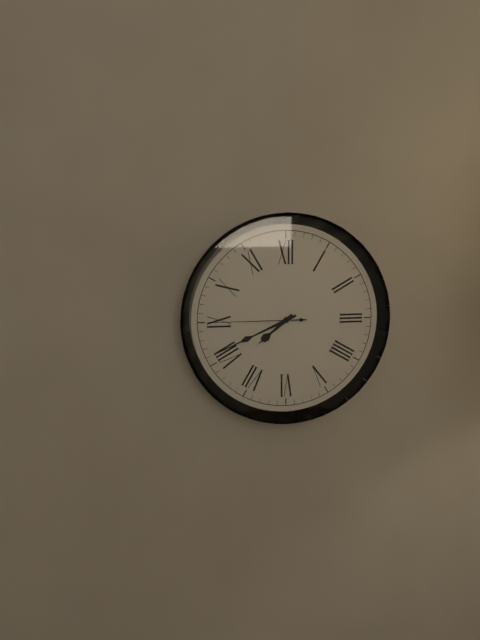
7:41:45
